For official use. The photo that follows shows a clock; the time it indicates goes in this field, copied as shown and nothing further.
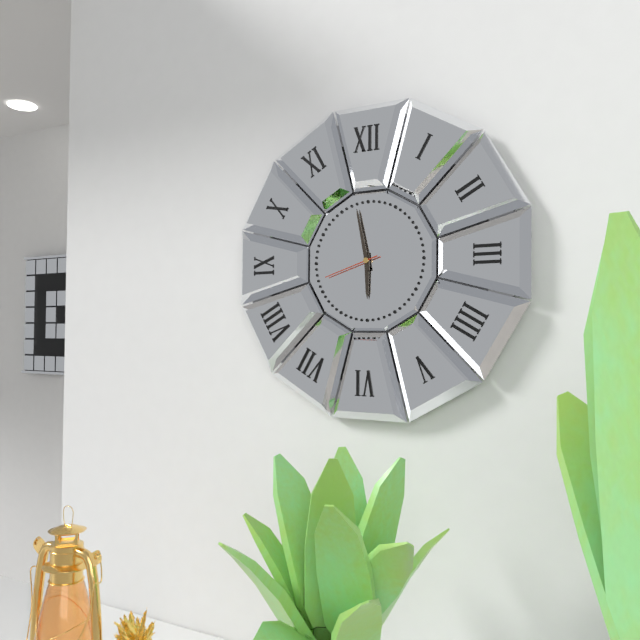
5:58:42
